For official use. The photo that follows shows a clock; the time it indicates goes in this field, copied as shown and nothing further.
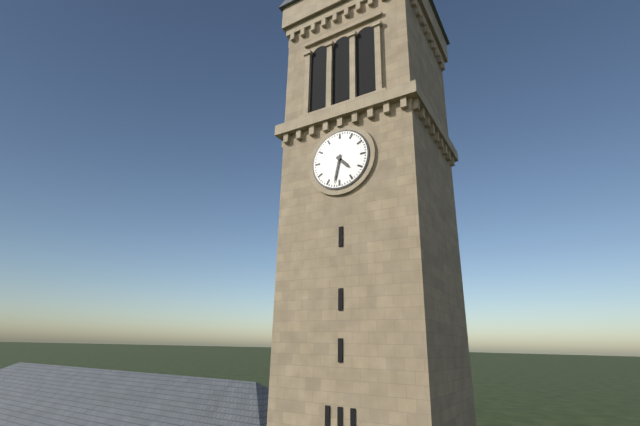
4:32
